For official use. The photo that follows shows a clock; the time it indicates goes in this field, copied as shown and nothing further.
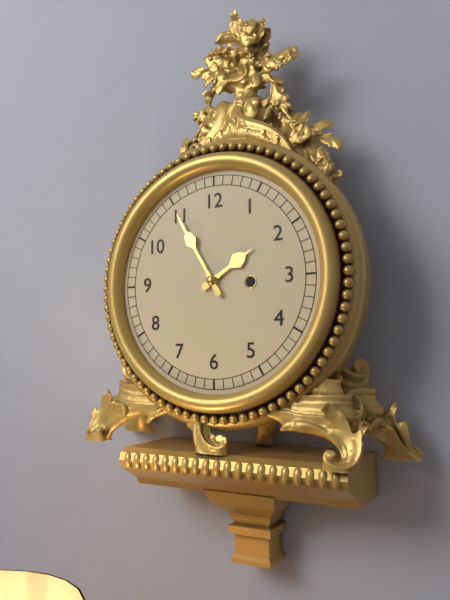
1:55
